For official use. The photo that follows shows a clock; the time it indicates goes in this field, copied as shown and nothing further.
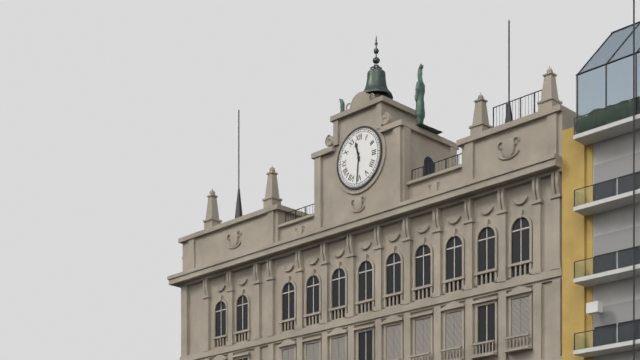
11:31
